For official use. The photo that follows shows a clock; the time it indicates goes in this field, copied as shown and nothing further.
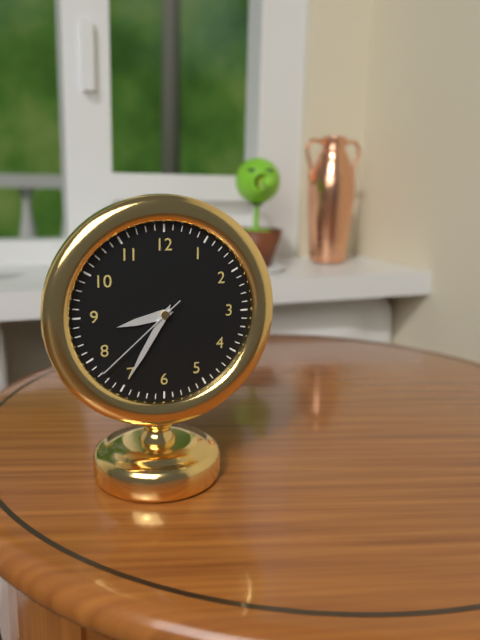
8:35:38
